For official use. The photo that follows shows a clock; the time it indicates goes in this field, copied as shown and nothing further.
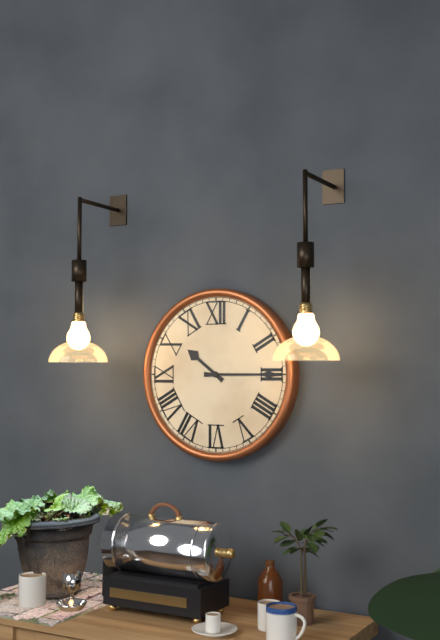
10:15
